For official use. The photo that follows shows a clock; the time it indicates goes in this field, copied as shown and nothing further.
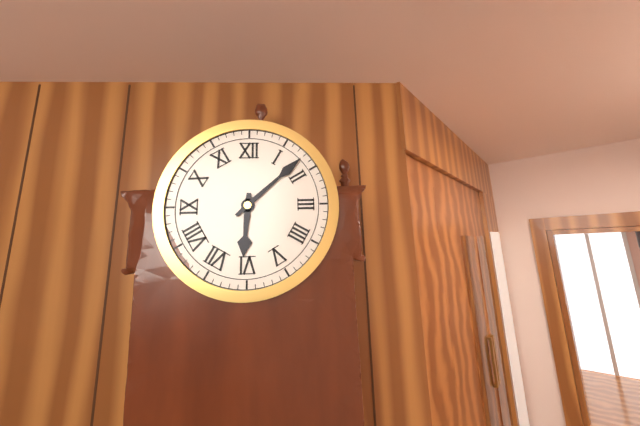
6:08
